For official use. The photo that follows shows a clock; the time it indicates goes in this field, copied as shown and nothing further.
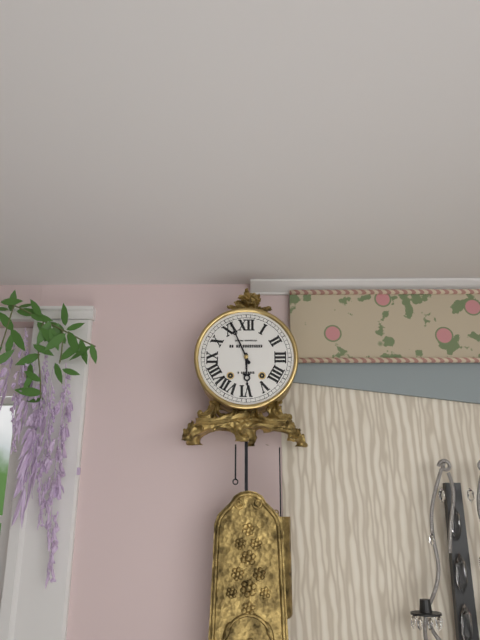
5:56
